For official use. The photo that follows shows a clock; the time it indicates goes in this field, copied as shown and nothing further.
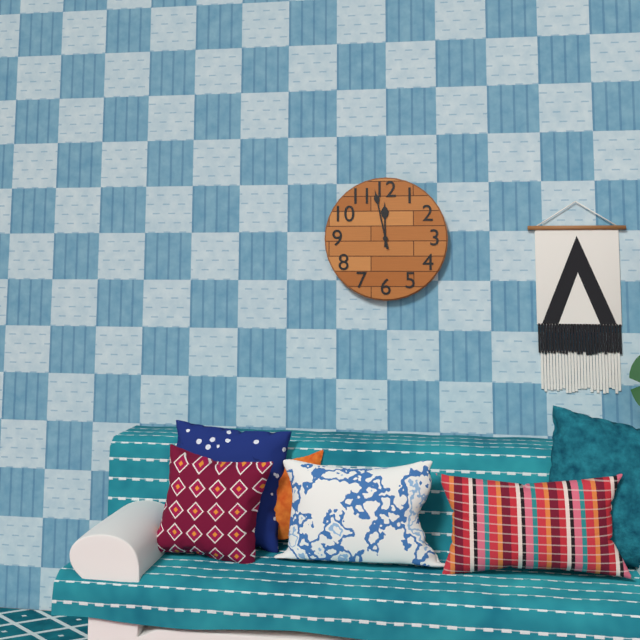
11:58
